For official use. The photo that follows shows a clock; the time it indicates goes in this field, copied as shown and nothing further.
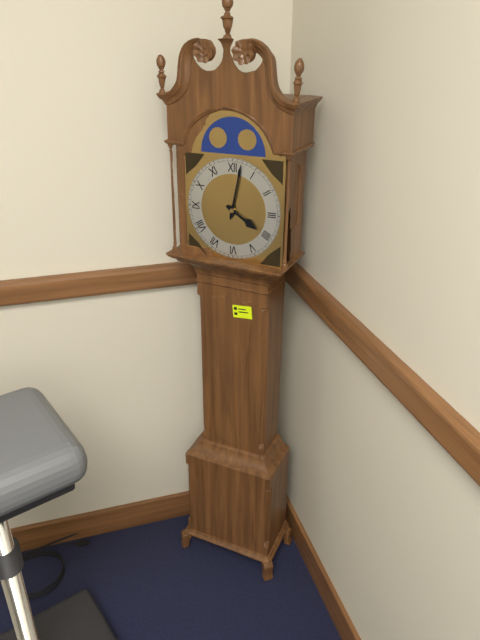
4:02
